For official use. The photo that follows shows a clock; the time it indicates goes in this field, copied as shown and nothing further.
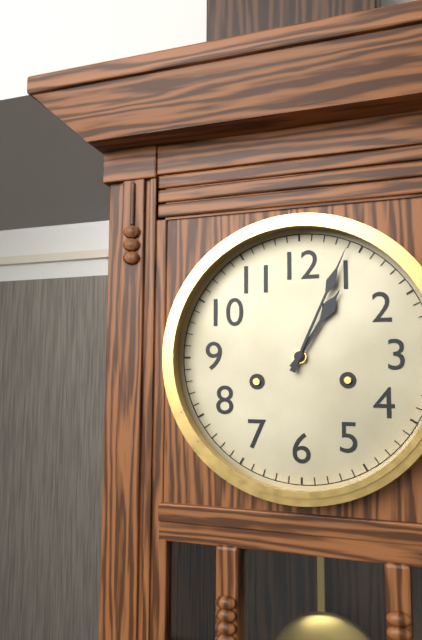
1:04
